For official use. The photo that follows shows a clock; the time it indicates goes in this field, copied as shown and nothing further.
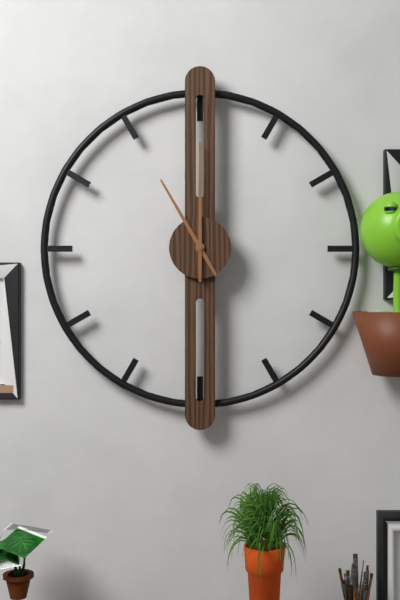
11:00
